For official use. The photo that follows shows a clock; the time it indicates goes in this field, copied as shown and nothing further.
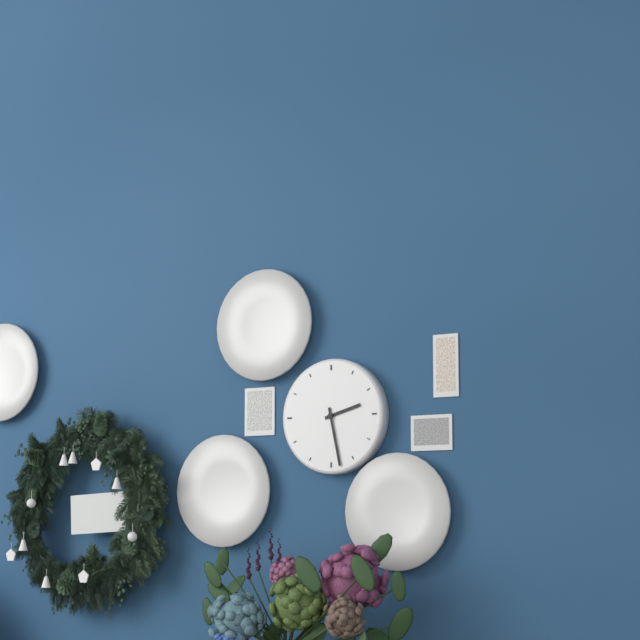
2:28
